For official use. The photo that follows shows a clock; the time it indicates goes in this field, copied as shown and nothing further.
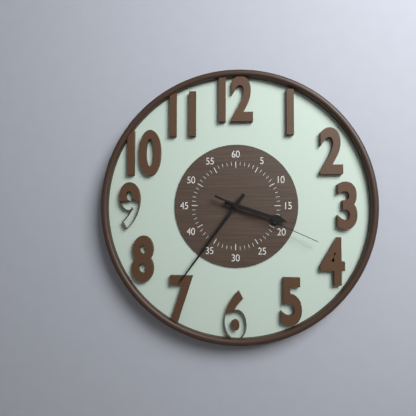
3:36:19
